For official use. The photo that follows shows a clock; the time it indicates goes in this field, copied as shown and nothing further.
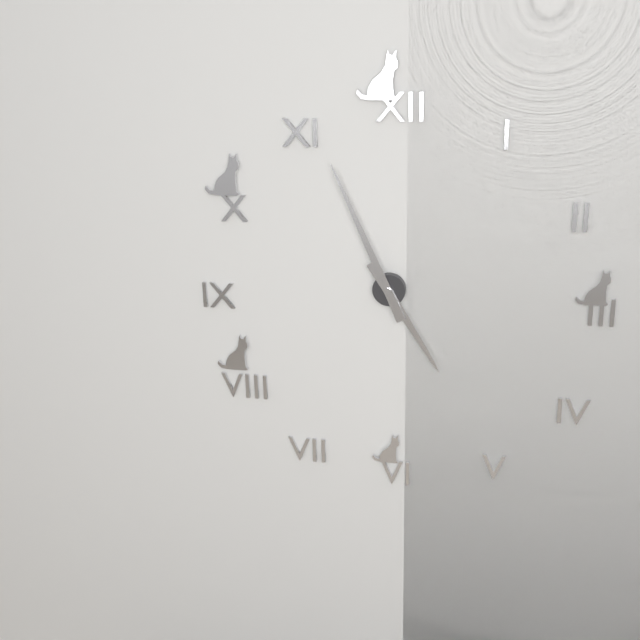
4:56
